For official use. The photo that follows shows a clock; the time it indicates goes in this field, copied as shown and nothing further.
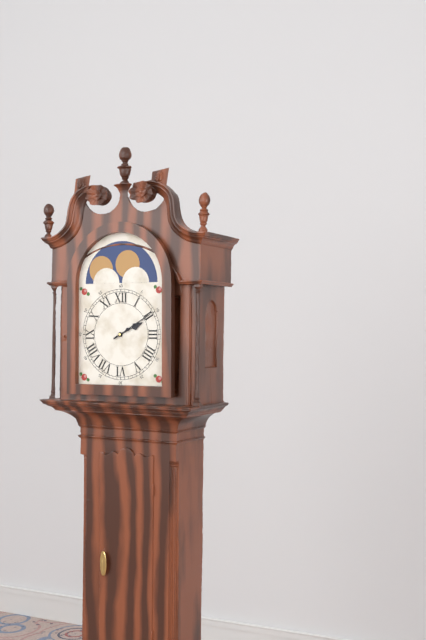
2:10
